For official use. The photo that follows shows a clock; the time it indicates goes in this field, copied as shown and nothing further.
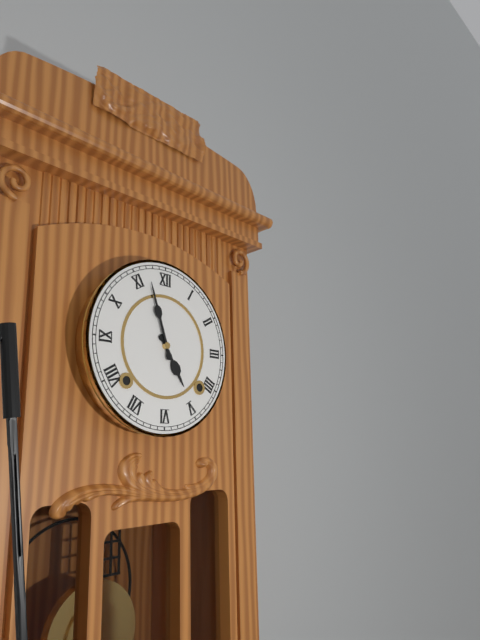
4:57
